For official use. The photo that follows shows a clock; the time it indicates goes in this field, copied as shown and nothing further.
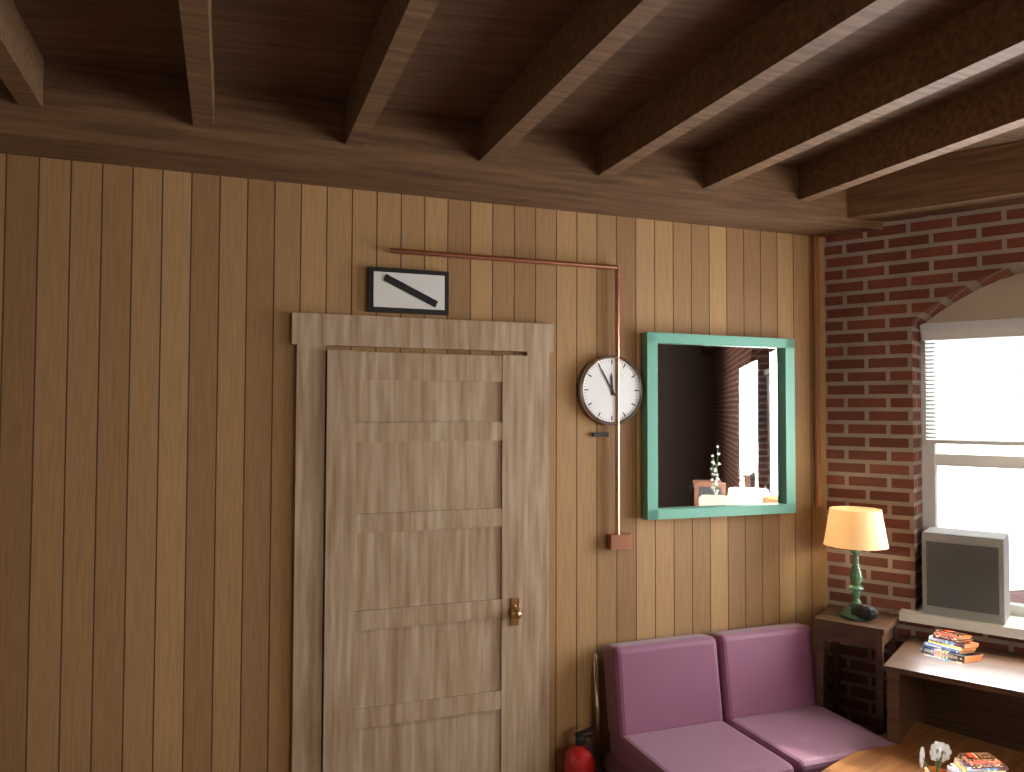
11:55
